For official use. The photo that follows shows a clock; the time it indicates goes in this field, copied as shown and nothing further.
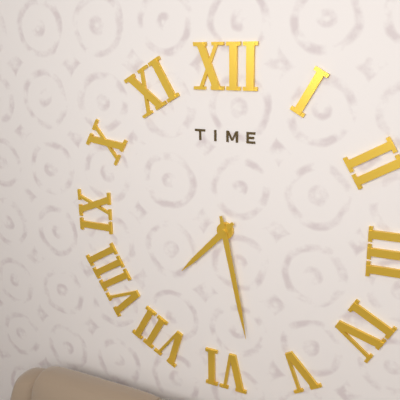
7:28
